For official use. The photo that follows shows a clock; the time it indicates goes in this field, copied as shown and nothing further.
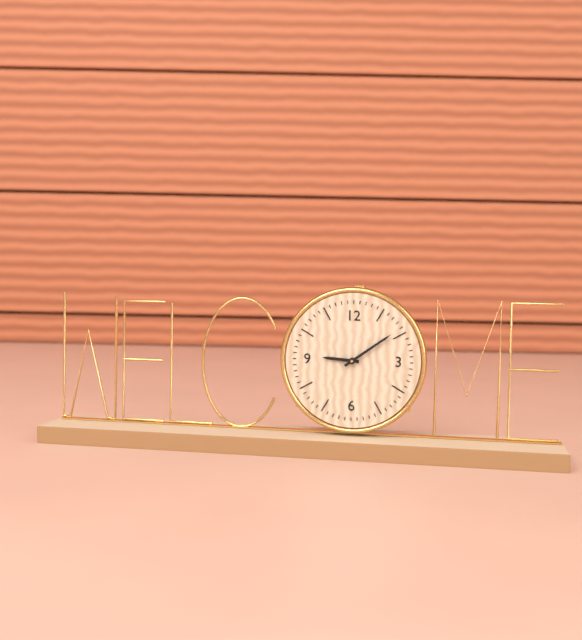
9:09
